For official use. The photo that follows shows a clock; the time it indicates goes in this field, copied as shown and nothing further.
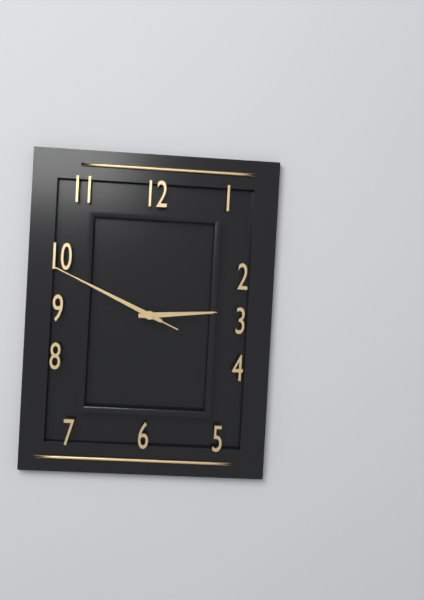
2:49:49
